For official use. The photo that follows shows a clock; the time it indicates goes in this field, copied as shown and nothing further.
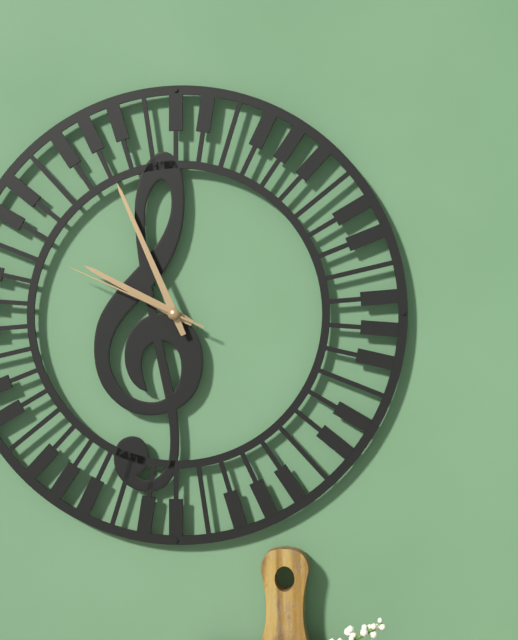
9:56:49
